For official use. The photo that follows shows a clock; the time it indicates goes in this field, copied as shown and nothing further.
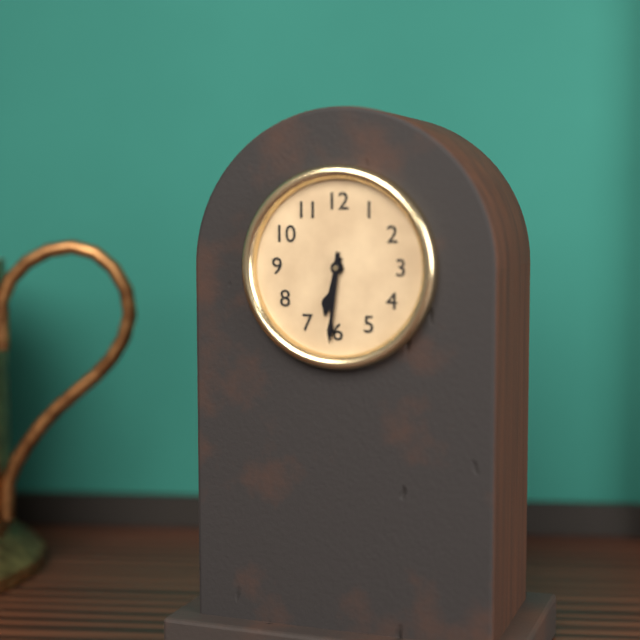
6:31
